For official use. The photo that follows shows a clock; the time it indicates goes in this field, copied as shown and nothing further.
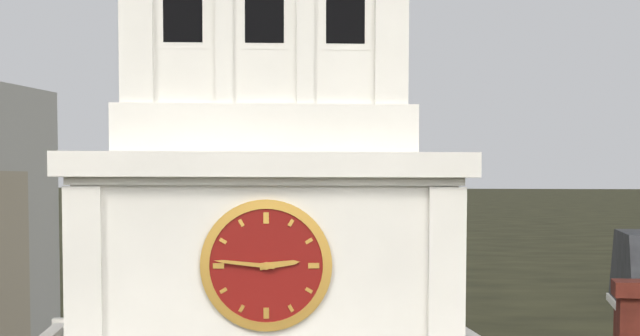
2:46
